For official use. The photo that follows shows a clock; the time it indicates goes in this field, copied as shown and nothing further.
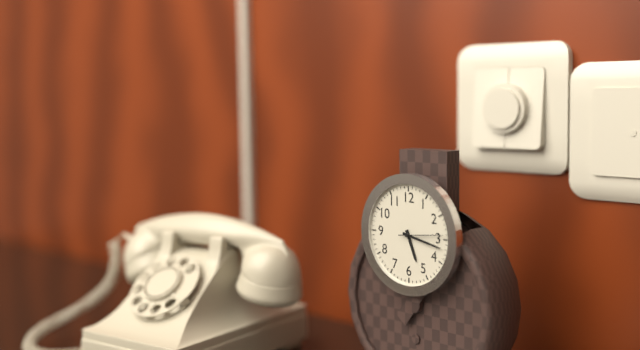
5:17
